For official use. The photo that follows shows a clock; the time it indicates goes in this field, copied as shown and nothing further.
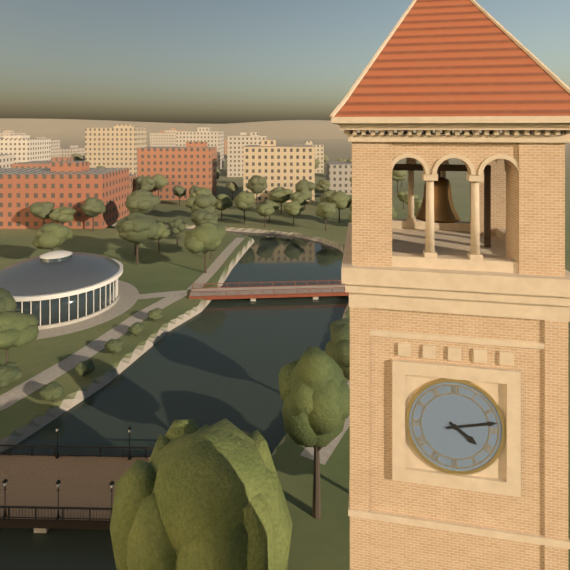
4:13
